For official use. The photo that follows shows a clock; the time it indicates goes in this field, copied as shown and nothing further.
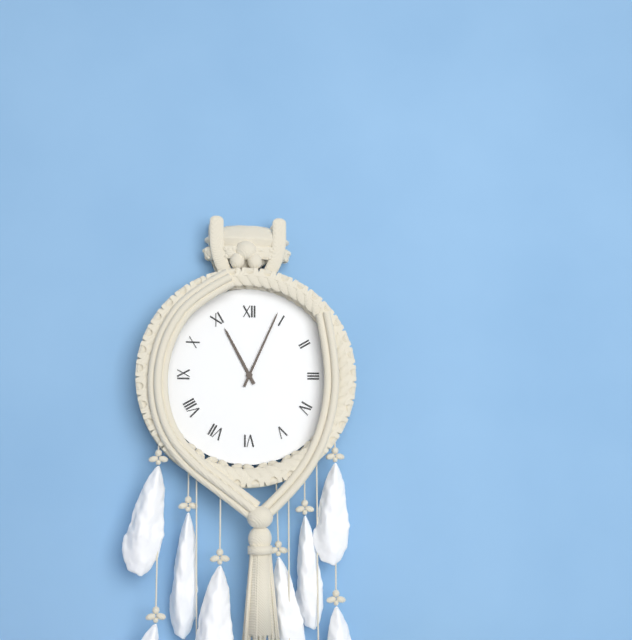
11:04
